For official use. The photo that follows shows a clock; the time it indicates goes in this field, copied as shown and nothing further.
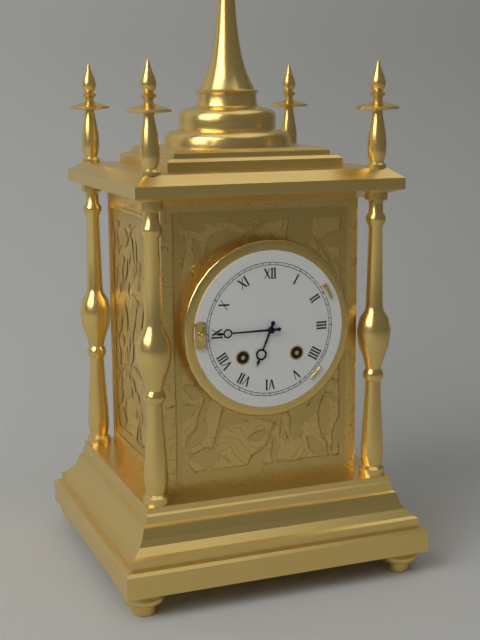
6:45
